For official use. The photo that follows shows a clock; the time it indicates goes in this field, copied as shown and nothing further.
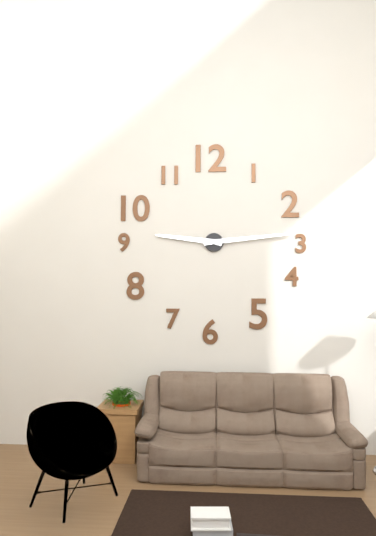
9:14
